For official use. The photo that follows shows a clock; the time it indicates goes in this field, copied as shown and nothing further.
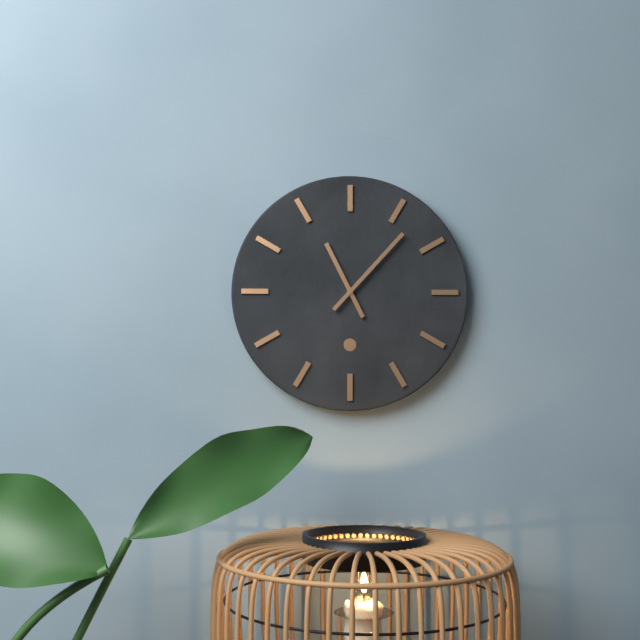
11:07
